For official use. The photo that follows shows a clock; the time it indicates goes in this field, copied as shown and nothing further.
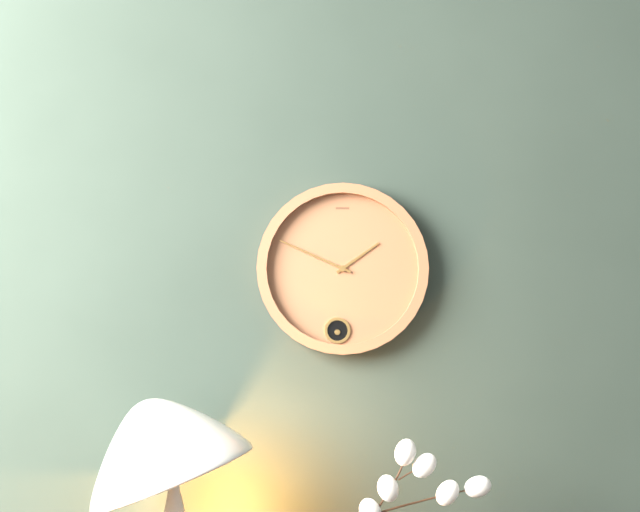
1:49
